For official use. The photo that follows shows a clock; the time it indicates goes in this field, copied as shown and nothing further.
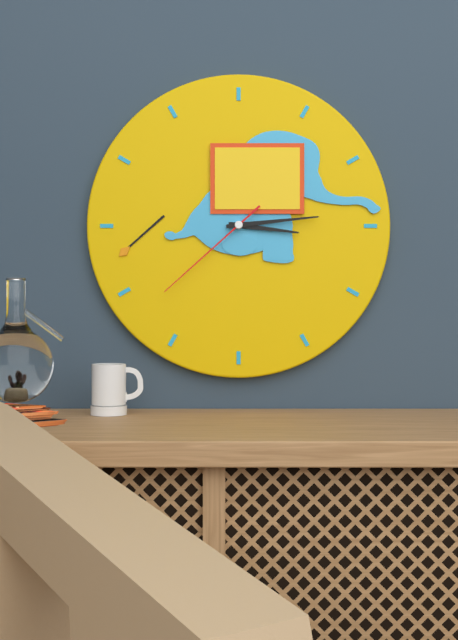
3:14:38
